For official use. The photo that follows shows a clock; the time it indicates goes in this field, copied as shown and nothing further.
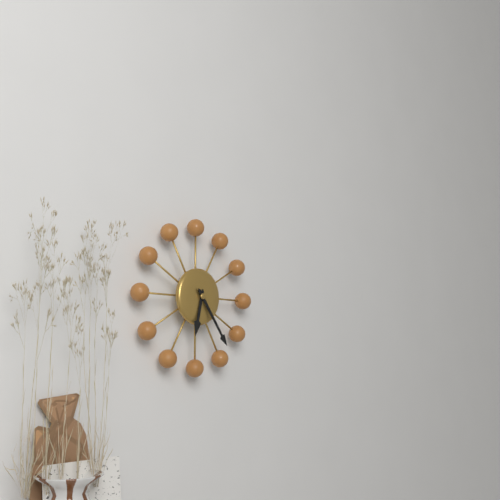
6:24
